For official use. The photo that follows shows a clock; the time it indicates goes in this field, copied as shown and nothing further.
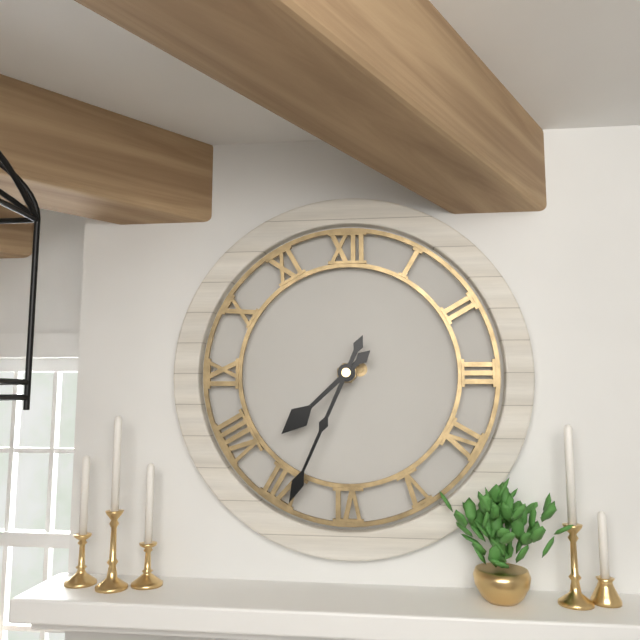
7:34
